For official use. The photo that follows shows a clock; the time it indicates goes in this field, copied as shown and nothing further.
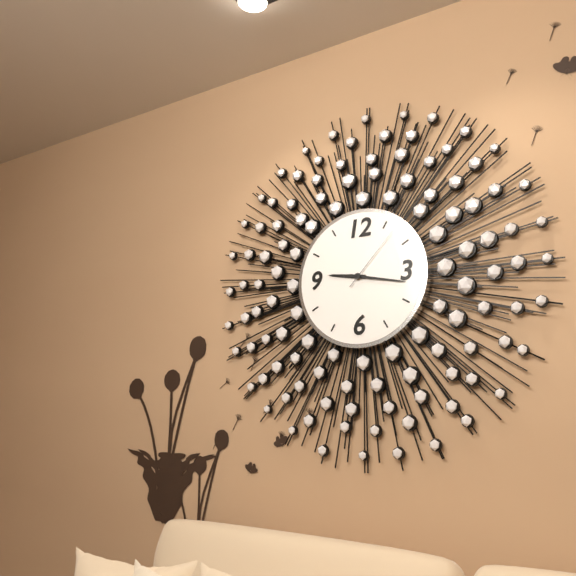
9:17:07
